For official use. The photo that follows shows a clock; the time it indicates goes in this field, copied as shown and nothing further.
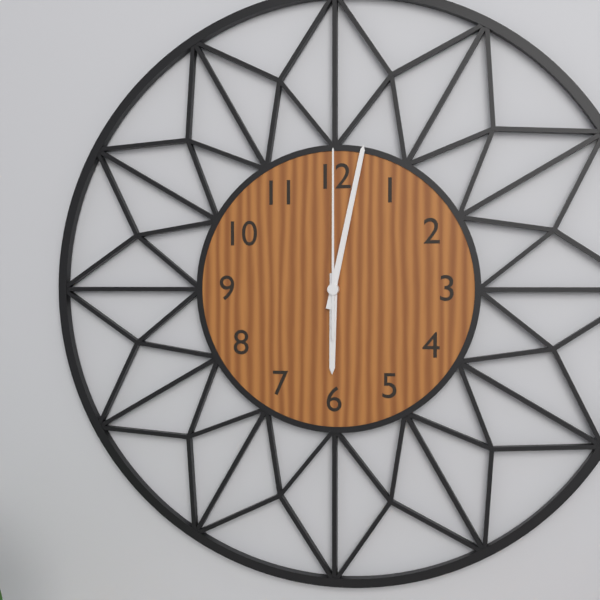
6:02:00
